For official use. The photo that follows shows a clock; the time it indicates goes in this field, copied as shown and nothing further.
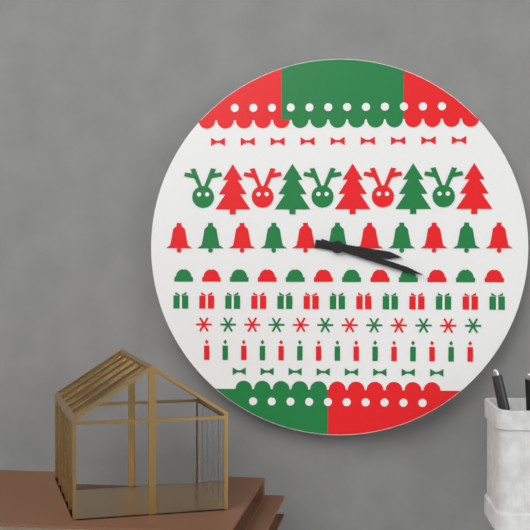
3:18
